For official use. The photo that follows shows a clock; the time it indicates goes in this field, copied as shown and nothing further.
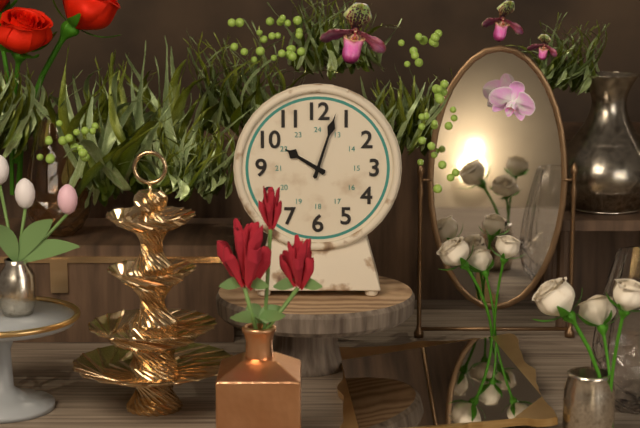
10:03
